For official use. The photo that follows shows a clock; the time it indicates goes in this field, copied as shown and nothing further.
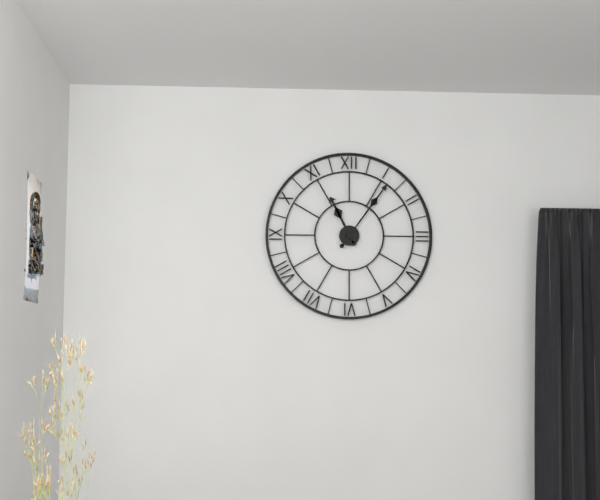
11:06
